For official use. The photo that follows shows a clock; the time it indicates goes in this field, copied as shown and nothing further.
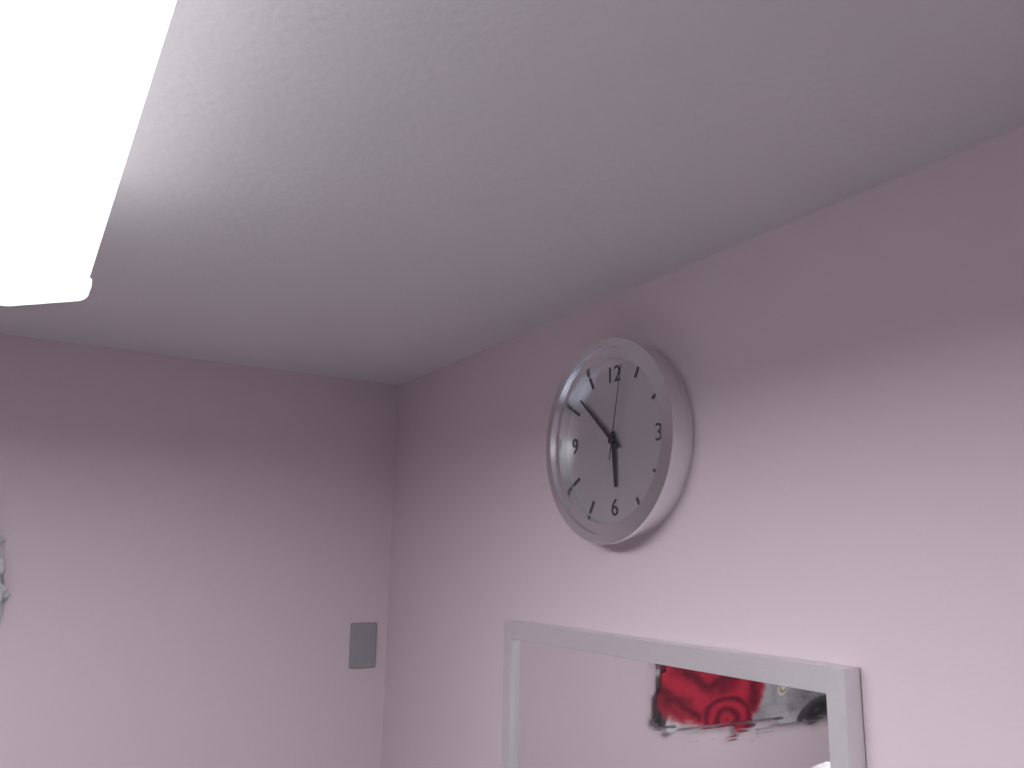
5:52:02
